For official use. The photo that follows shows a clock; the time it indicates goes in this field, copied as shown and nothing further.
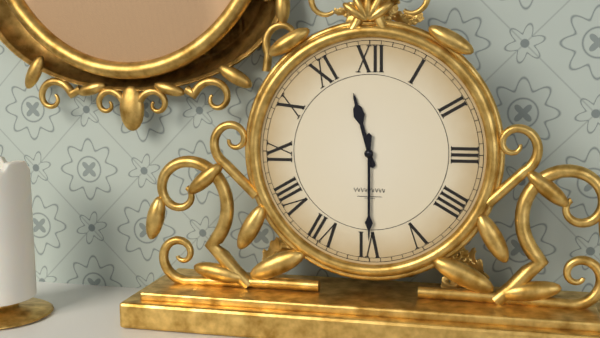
11:30
